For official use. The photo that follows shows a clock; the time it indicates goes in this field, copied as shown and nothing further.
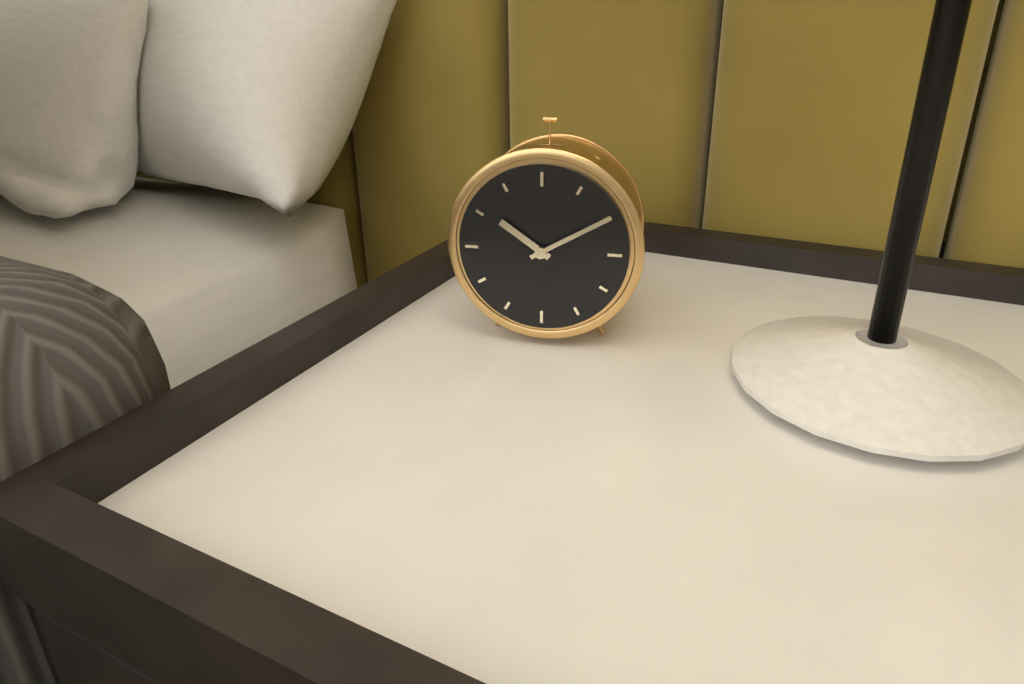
10:10
